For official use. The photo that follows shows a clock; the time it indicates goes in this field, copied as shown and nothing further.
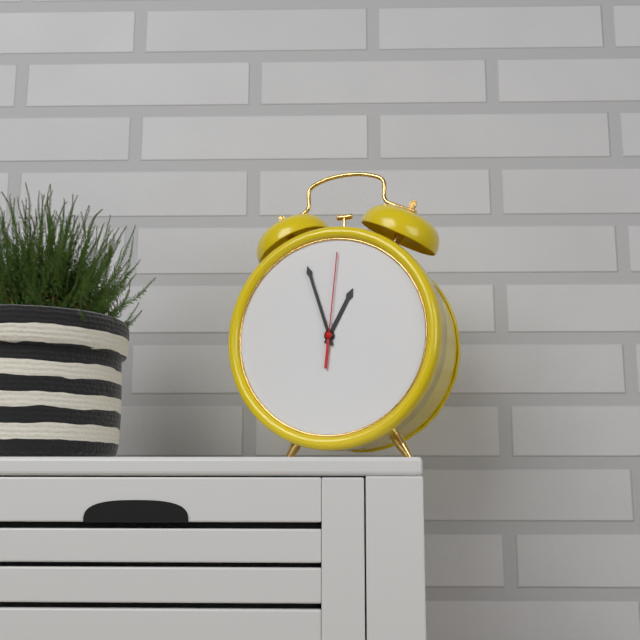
12:57:01
